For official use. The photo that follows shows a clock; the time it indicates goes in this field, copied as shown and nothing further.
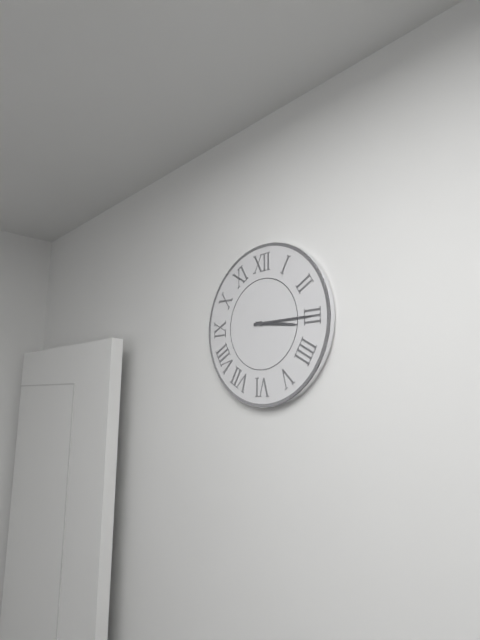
3:15
